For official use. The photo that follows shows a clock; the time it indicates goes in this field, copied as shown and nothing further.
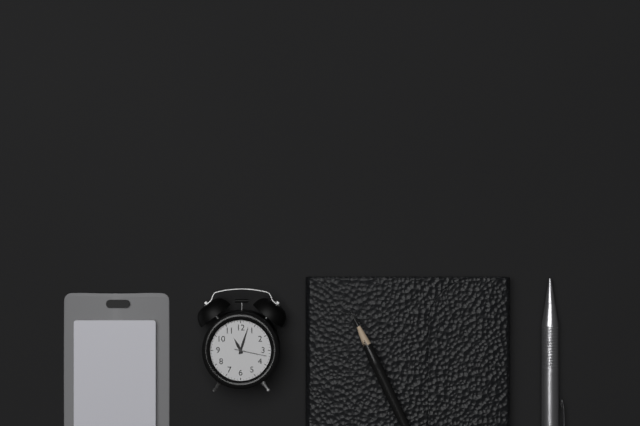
11:03
